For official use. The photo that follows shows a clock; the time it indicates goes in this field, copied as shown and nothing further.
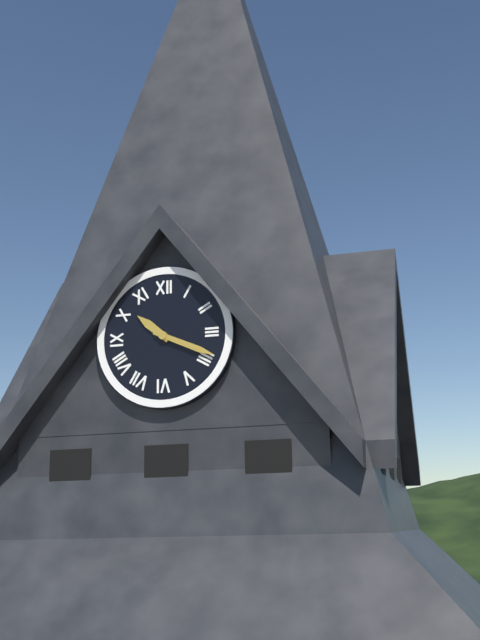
10:19
